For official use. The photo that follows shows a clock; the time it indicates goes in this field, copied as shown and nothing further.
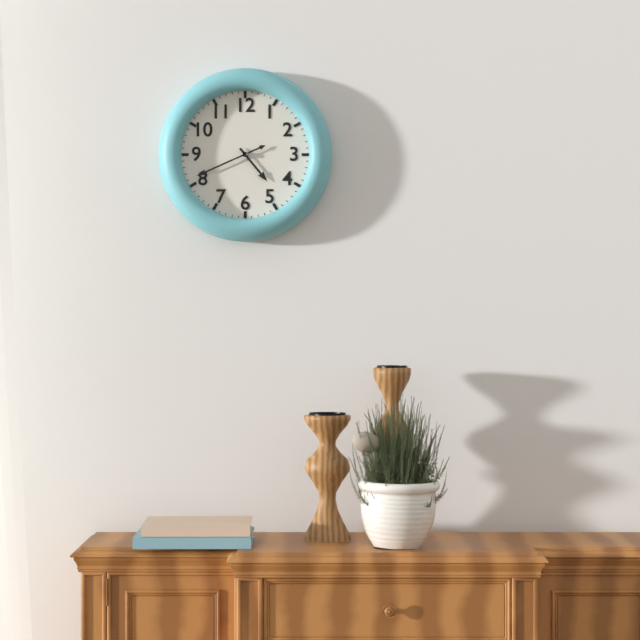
4:41
